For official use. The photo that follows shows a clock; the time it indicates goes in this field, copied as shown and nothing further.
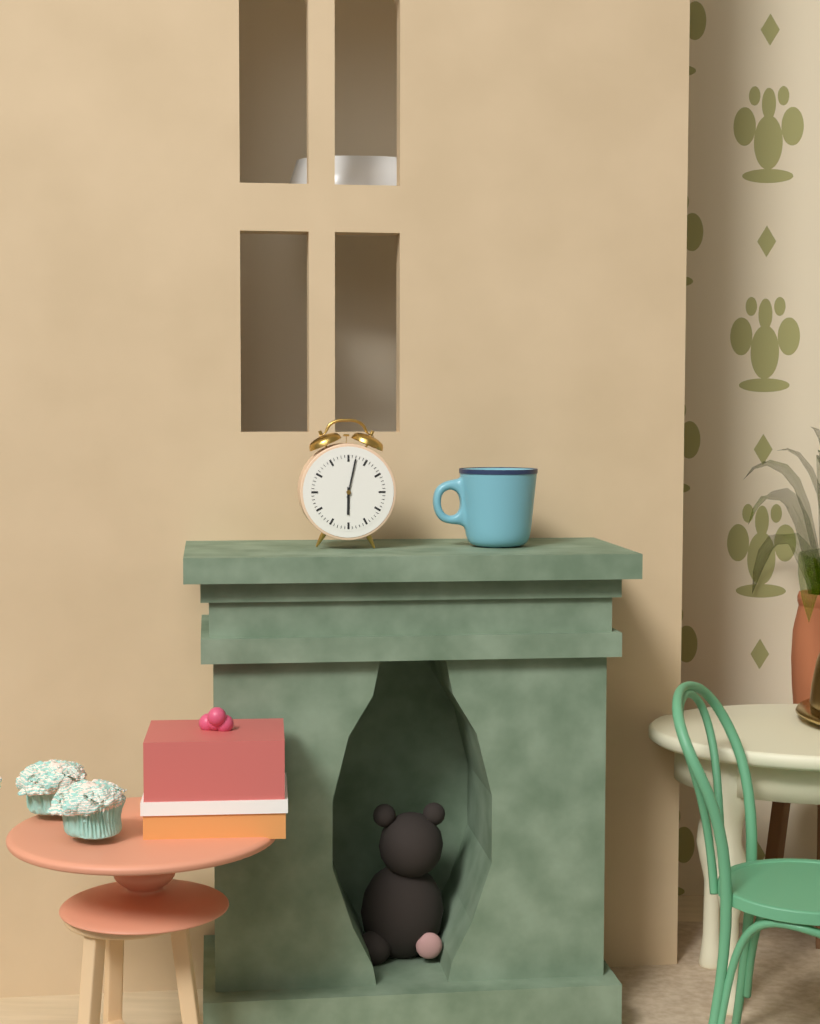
6:02
